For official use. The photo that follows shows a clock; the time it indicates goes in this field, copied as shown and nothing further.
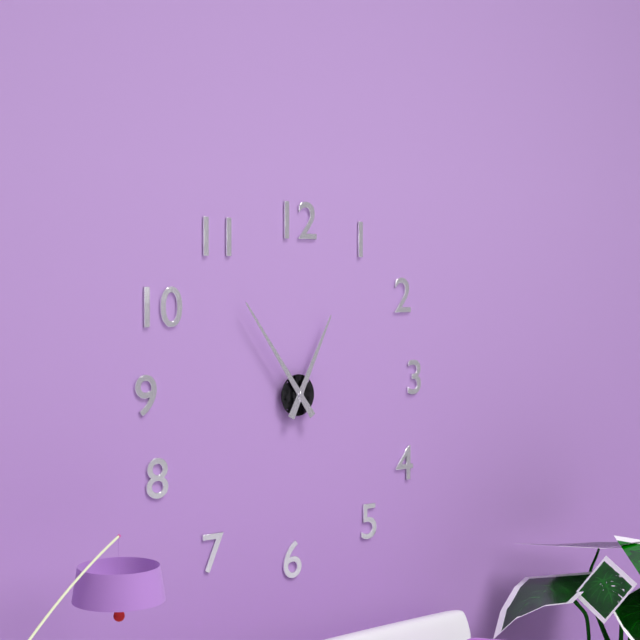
12:54
